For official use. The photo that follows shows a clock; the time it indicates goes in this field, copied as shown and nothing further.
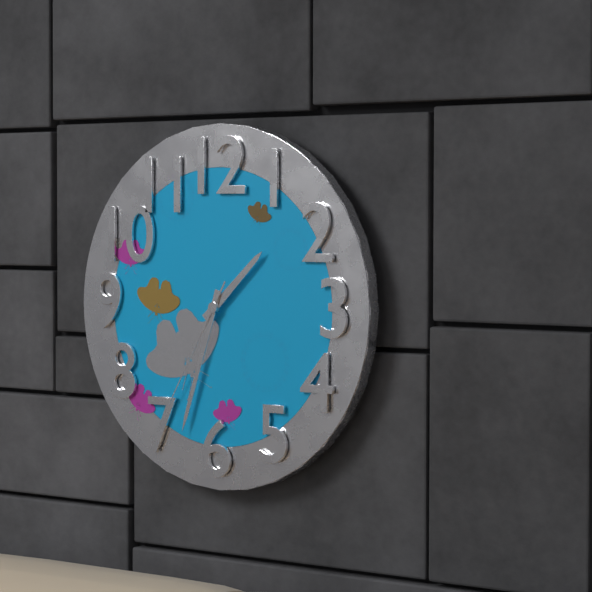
1:33:35
